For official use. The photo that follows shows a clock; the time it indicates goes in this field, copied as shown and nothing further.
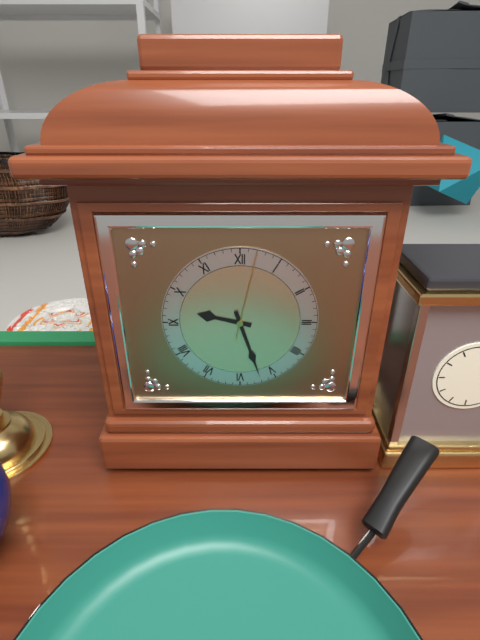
9:27:02
